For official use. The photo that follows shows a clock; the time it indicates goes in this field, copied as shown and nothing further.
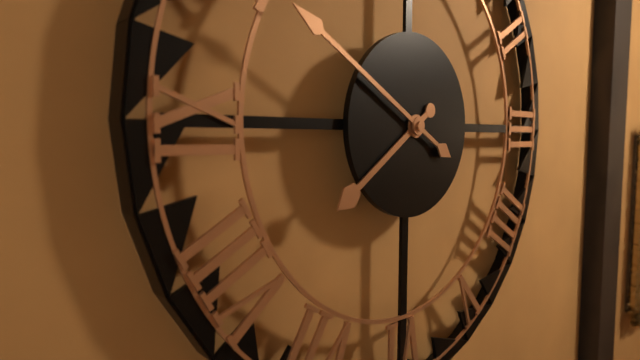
7:50
